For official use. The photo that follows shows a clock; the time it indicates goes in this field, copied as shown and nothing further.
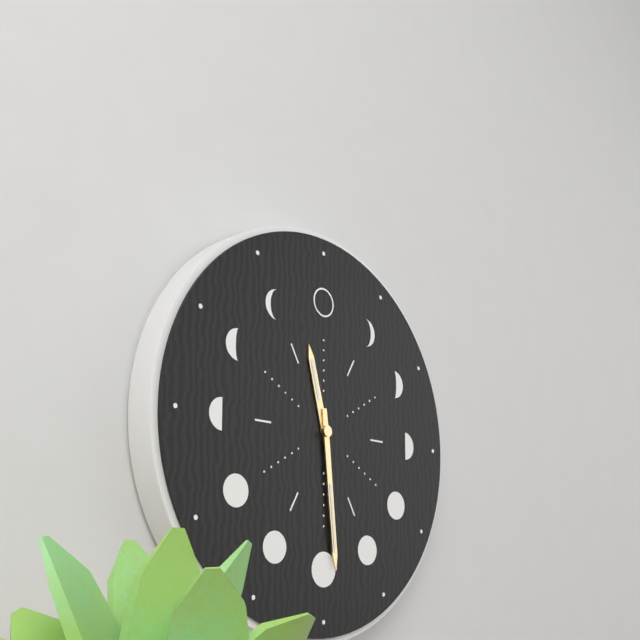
11:29
